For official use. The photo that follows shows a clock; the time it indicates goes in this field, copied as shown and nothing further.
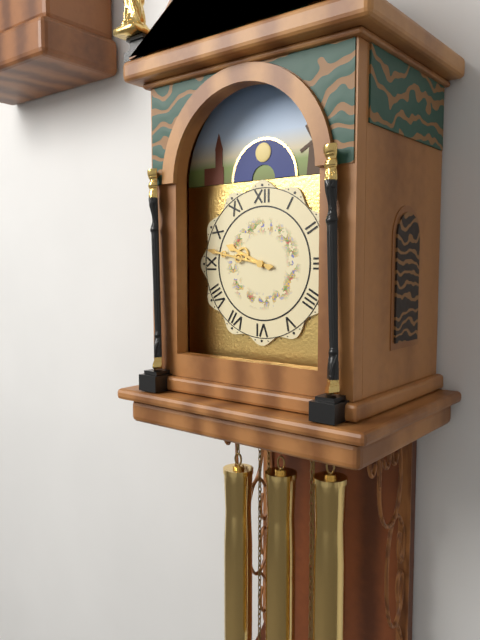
9:47
